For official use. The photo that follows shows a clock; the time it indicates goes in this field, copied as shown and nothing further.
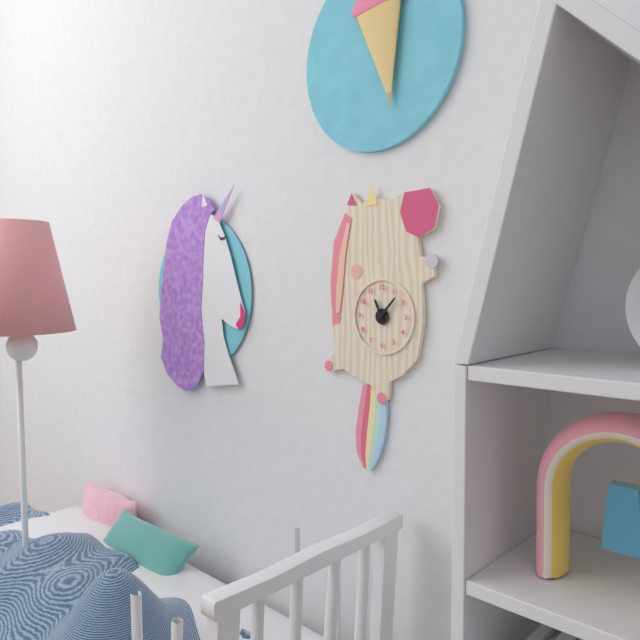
11:07
